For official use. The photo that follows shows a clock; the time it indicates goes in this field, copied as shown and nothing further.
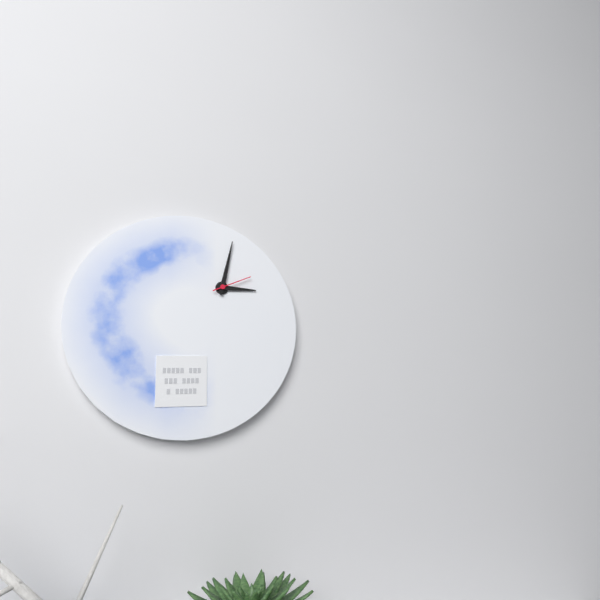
3:02
